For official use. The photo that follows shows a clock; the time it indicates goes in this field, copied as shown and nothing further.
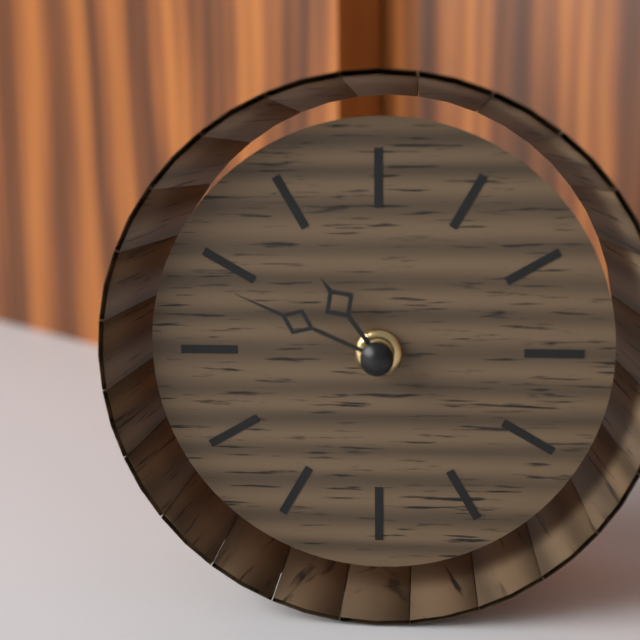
10:49
